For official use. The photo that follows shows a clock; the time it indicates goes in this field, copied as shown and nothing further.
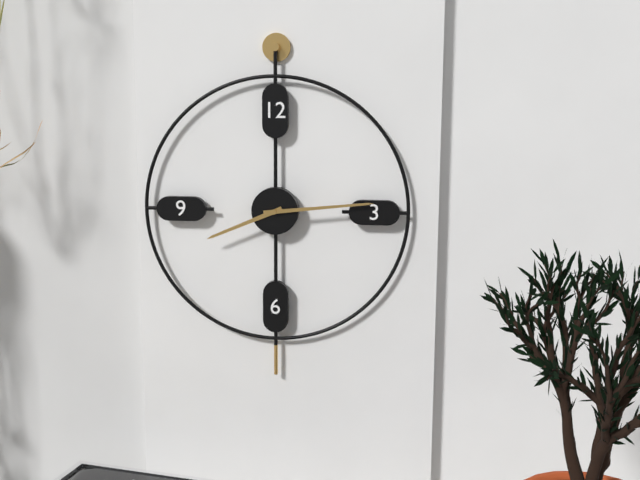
8:14
